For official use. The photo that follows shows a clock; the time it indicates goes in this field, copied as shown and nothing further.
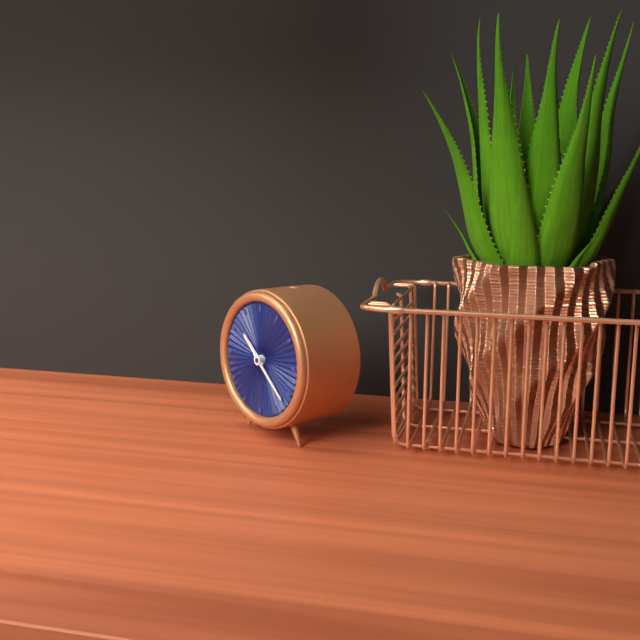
10:22
